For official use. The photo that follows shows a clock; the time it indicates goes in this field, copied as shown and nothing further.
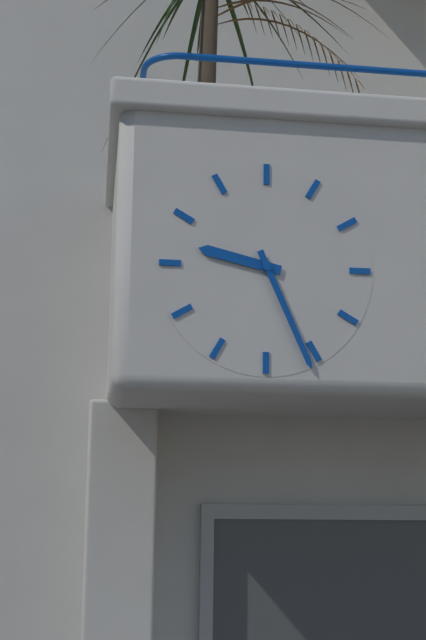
9:26
